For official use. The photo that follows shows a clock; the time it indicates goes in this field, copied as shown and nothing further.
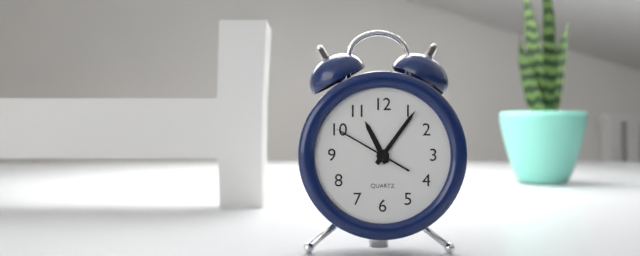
11:06:50
